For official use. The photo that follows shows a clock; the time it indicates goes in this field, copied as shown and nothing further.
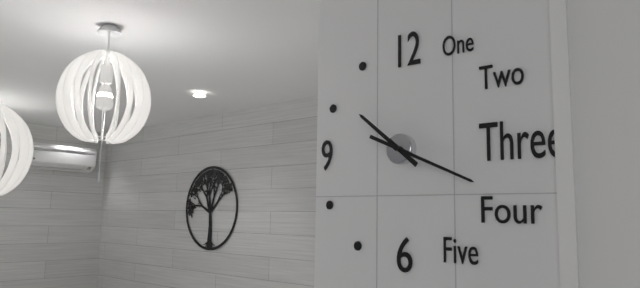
10:19
